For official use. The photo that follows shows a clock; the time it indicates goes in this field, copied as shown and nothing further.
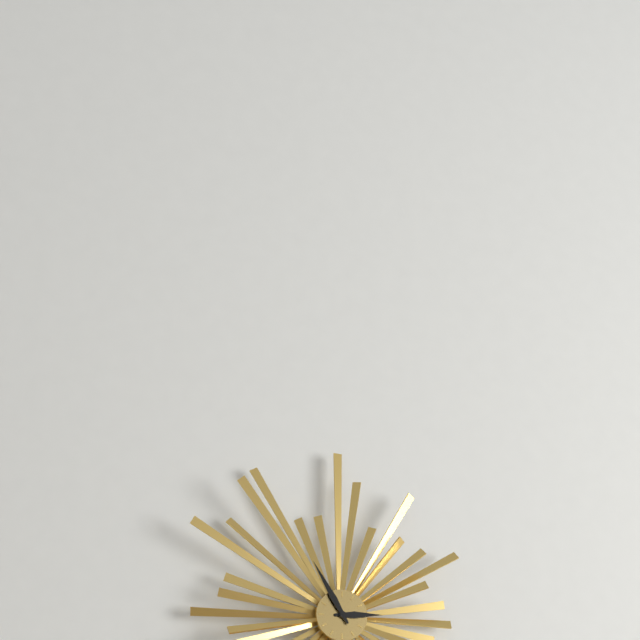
2:55
